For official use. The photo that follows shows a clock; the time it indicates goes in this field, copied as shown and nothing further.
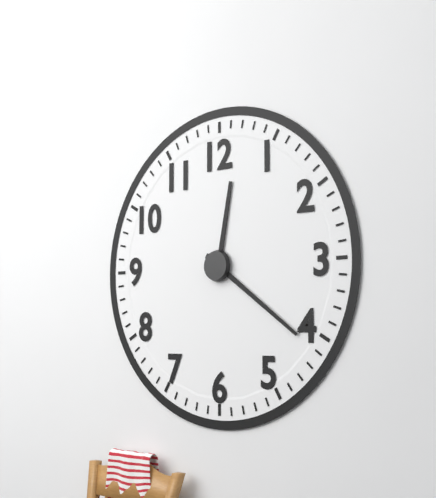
12:21
